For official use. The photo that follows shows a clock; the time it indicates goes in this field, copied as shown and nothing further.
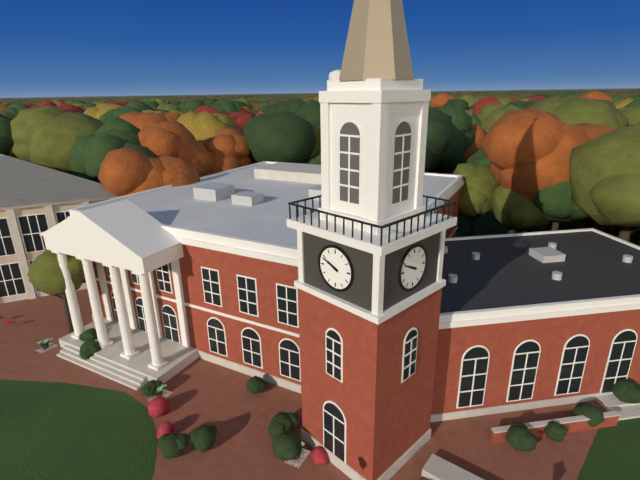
9:49
